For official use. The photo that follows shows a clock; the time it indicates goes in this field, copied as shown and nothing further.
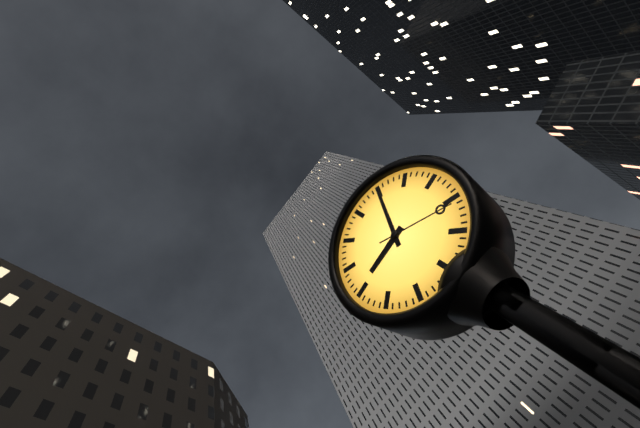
9:05:21
